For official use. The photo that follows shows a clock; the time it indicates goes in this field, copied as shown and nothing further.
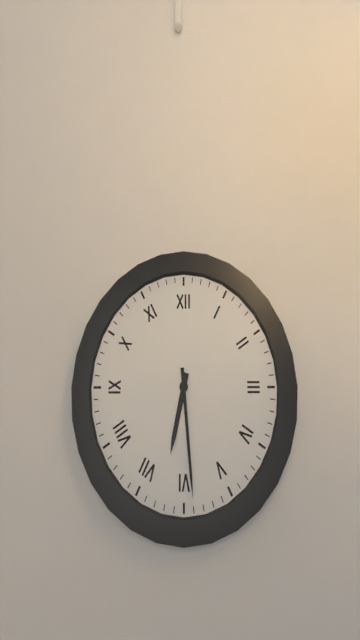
6:29
